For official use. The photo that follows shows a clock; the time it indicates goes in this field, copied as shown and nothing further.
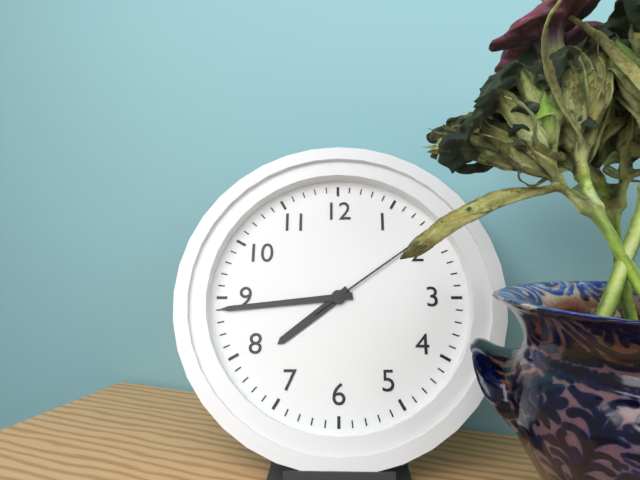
7:44
